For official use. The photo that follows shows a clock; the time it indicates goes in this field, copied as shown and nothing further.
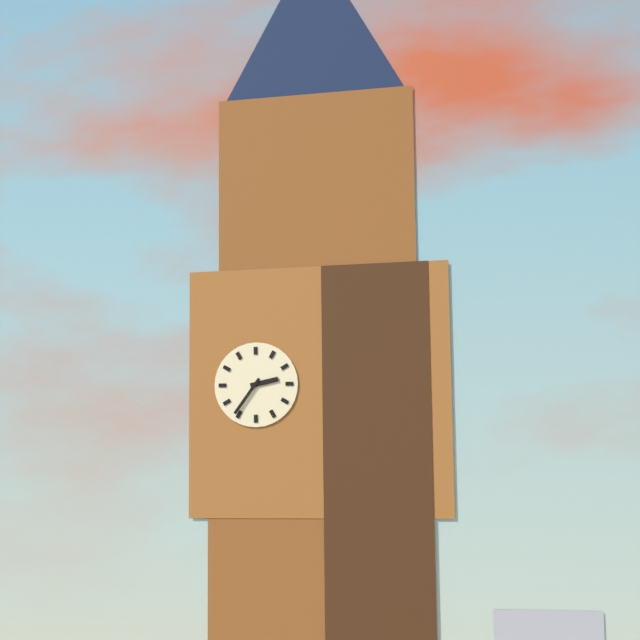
2:36
